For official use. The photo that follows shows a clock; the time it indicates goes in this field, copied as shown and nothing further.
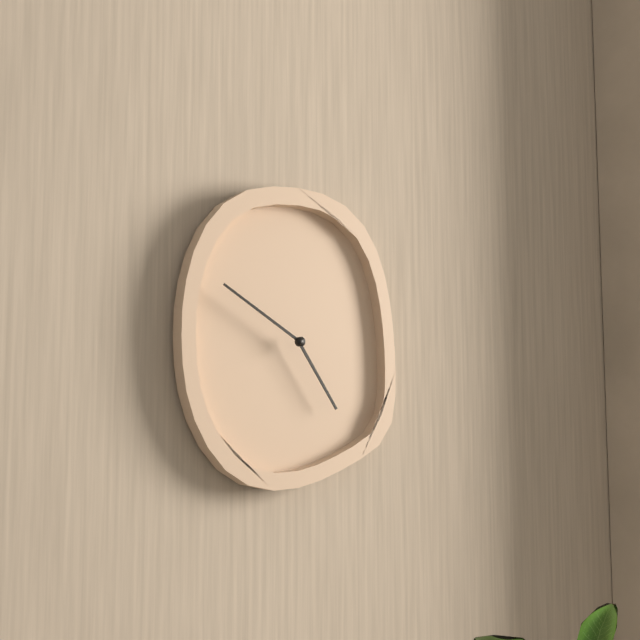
4:50
